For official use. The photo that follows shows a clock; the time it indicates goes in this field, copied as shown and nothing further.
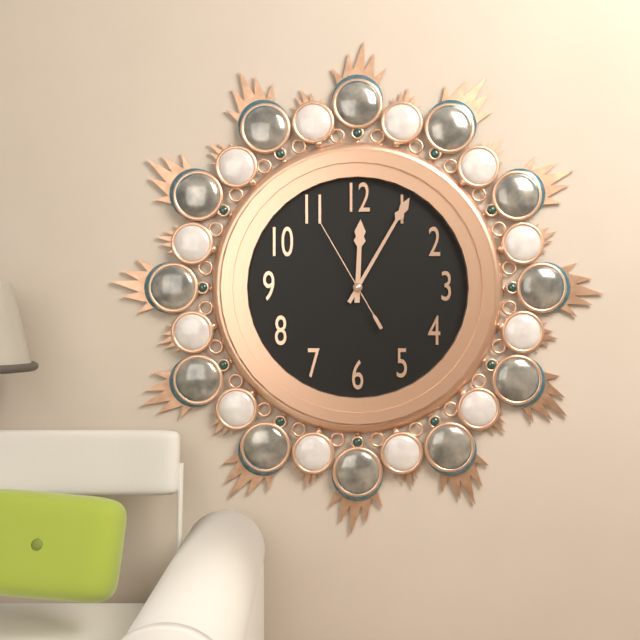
12:05:55
